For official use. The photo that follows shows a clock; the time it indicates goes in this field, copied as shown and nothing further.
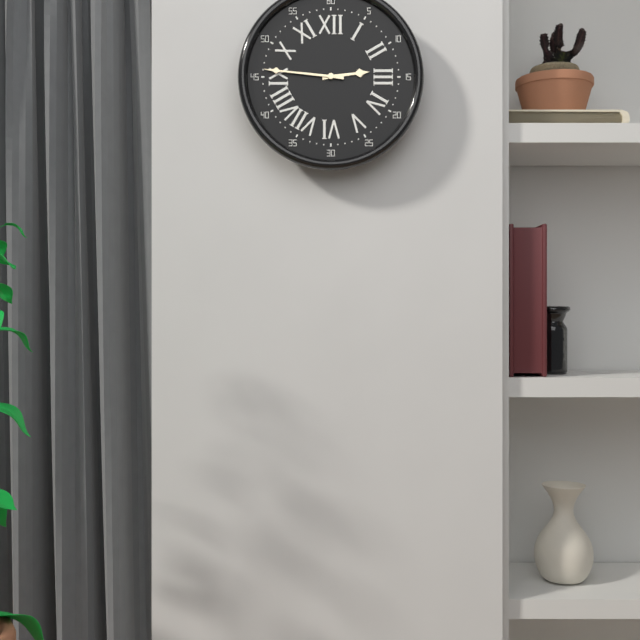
2:46
